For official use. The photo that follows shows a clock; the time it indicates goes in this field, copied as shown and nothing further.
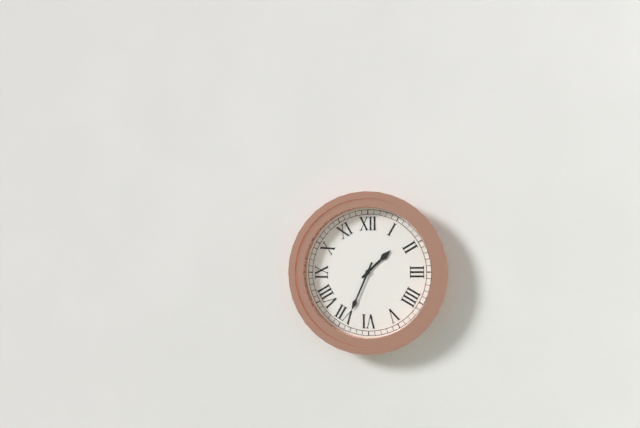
1:34
